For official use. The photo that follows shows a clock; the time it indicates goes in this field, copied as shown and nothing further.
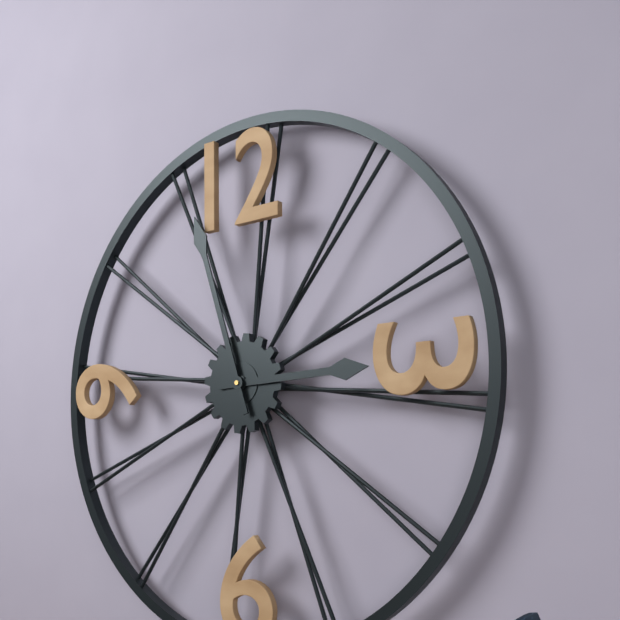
2:57
